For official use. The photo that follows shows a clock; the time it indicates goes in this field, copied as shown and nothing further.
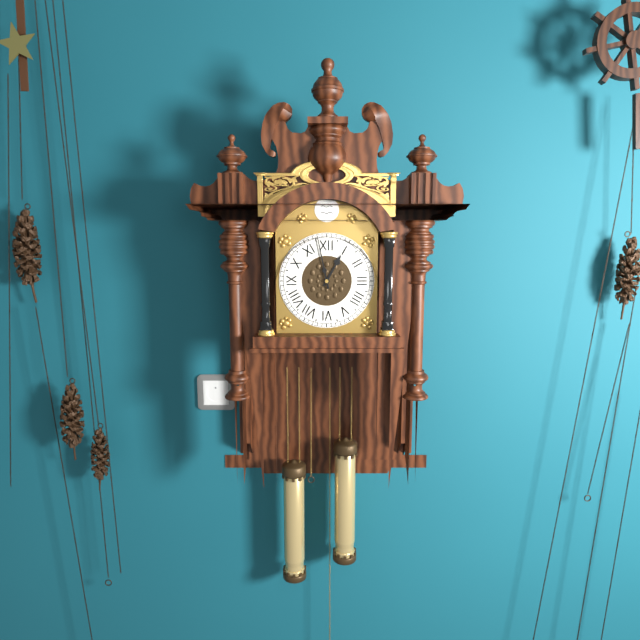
12:58
